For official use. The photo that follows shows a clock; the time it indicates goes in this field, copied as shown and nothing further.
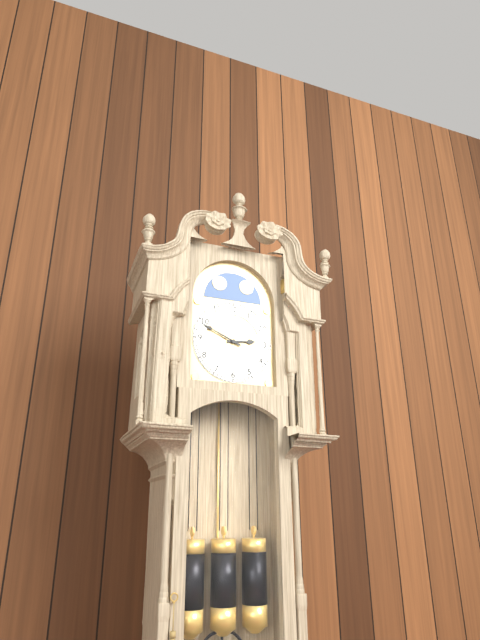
2:49
